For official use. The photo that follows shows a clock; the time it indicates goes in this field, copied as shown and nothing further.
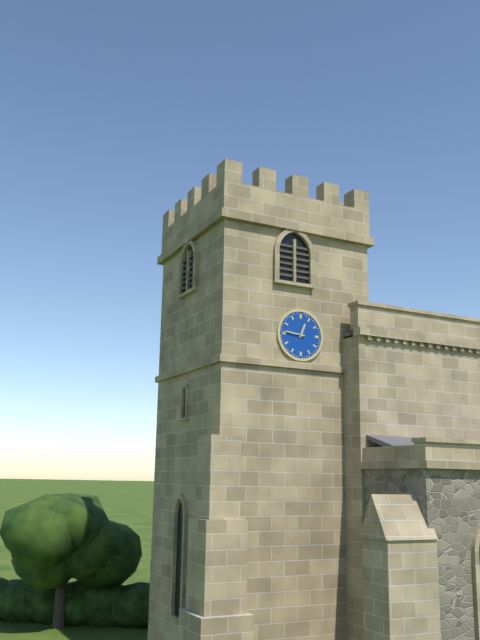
12:46
